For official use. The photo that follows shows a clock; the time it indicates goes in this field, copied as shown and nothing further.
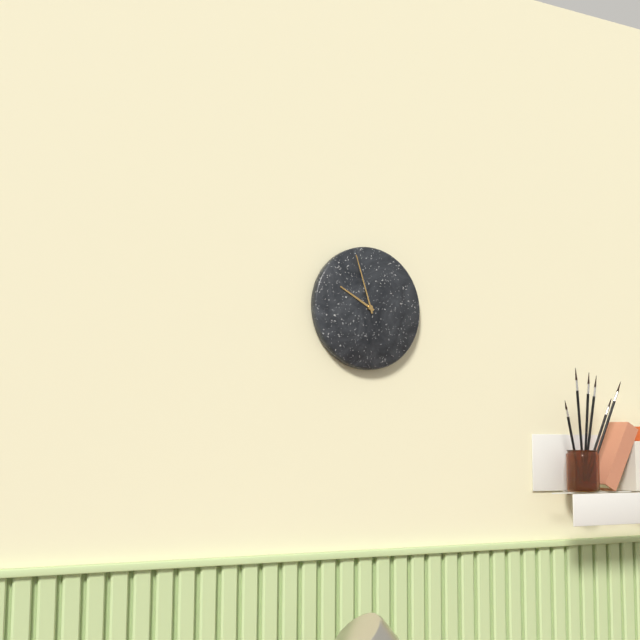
9:57
